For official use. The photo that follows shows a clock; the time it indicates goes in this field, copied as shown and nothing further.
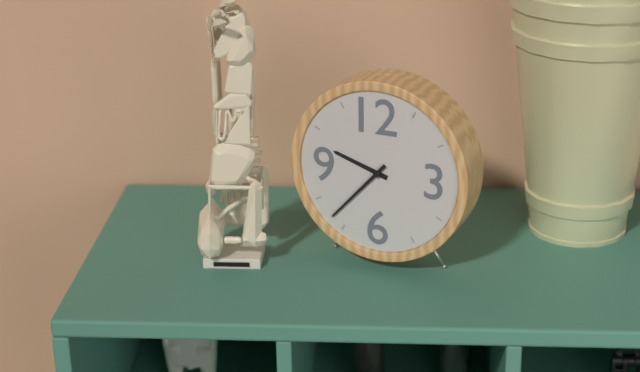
9:37
